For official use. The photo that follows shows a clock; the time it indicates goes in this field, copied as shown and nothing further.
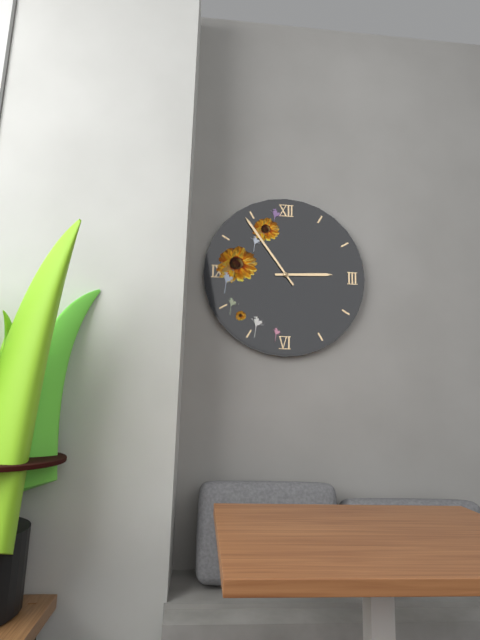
2:54
